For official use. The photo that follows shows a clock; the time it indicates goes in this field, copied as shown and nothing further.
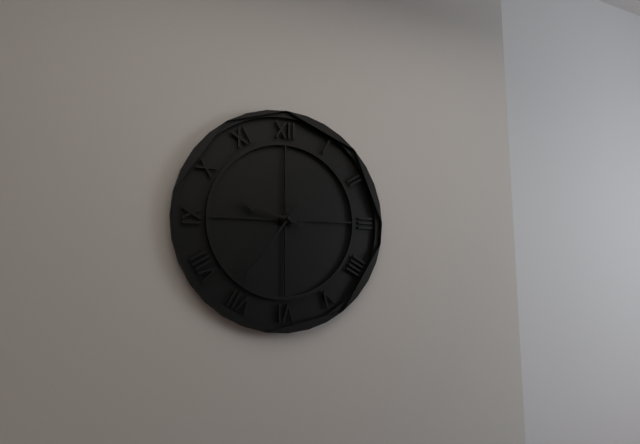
9:36
